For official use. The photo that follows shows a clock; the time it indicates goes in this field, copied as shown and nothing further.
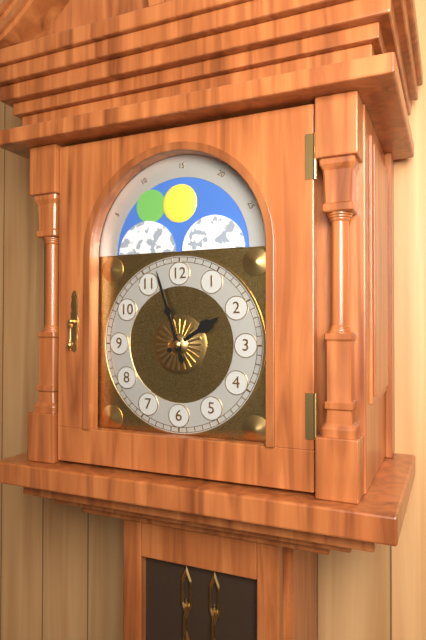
1:57
